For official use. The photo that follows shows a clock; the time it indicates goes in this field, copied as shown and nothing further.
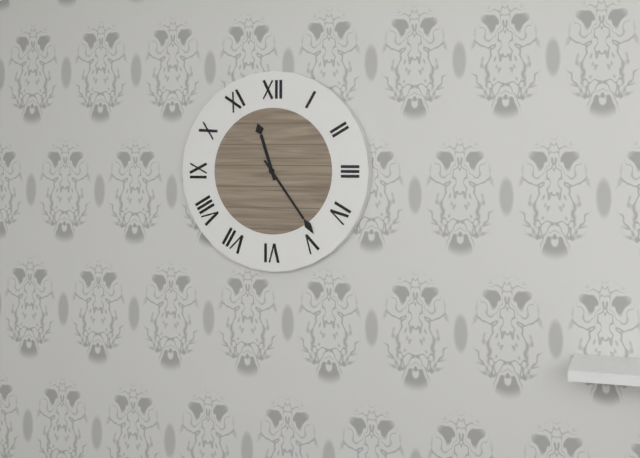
11:24
